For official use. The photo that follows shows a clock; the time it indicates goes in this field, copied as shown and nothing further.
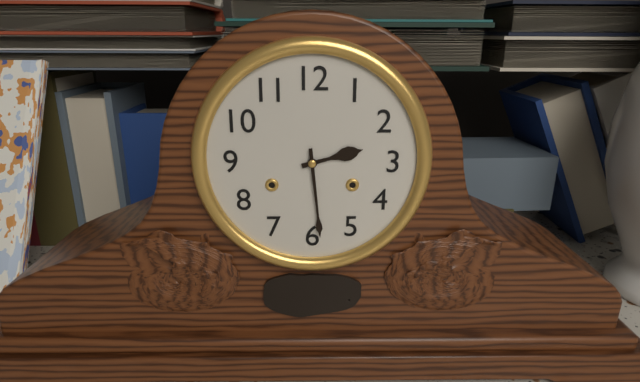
2:29
